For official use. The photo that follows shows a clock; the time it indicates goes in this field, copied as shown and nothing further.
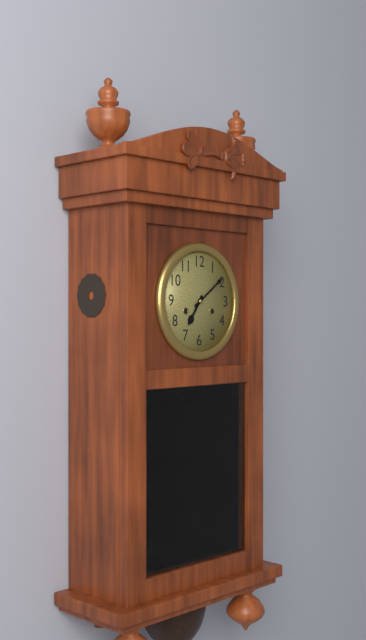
7:09
